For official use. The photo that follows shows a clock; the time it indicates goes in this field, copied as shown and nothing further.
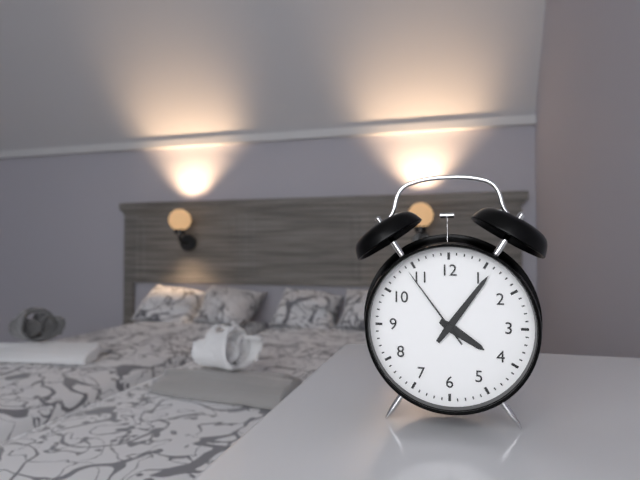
4:06:54
